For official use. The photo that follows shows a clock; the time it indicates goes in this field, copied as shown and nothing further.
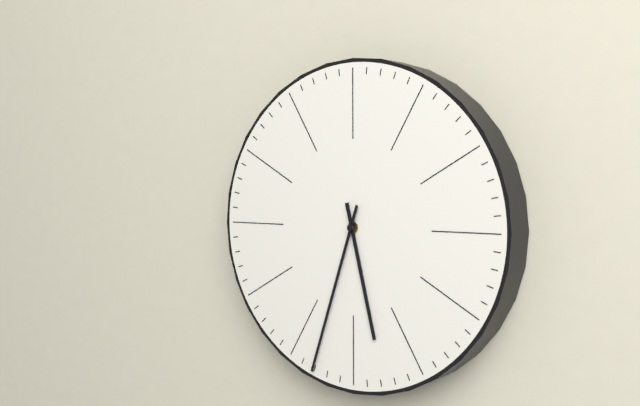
5:33
